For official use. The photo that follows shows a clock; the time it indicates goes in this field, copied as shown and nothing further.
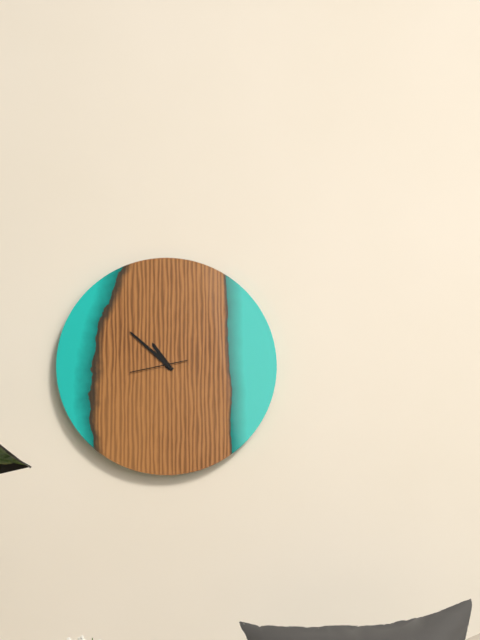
10:52
